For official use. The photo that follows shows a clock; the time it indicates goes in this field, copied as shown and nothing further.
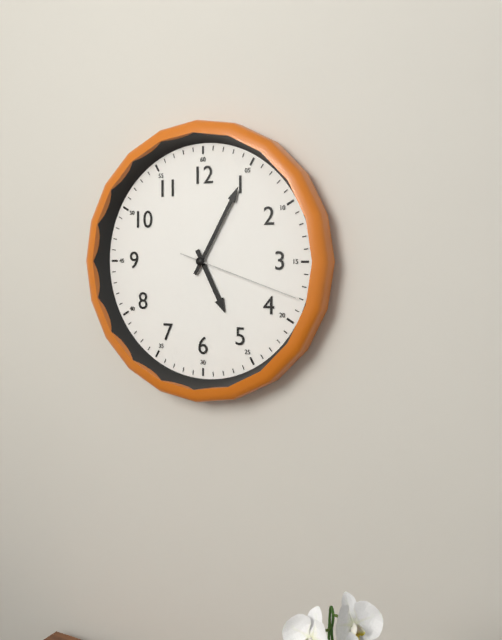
5:05:18
